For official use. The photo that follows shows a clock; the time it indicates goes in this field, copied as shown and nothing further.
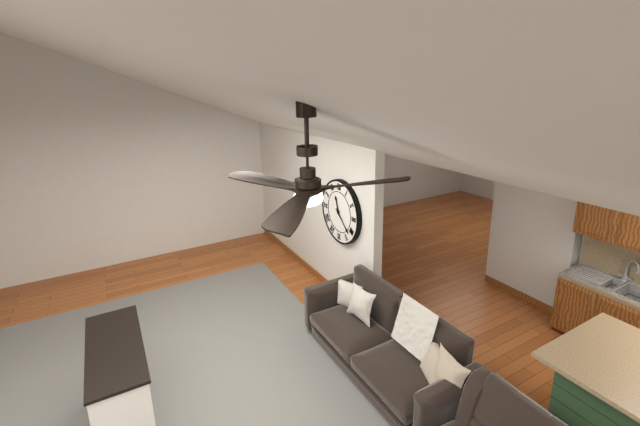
11:22
